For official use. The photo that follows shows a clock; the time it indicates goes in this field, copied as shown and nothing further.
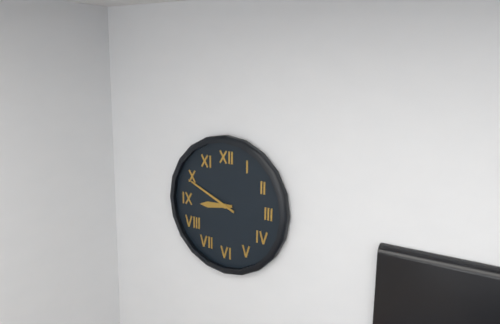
8:49
